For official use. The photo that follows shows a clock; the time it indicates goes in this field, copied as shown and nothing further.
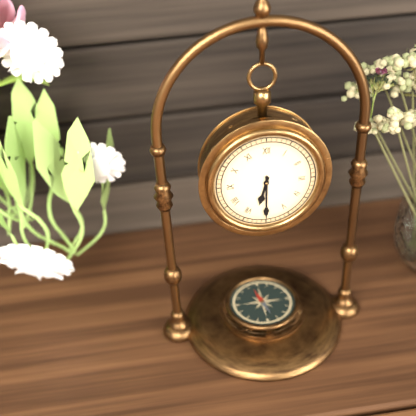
6:30
